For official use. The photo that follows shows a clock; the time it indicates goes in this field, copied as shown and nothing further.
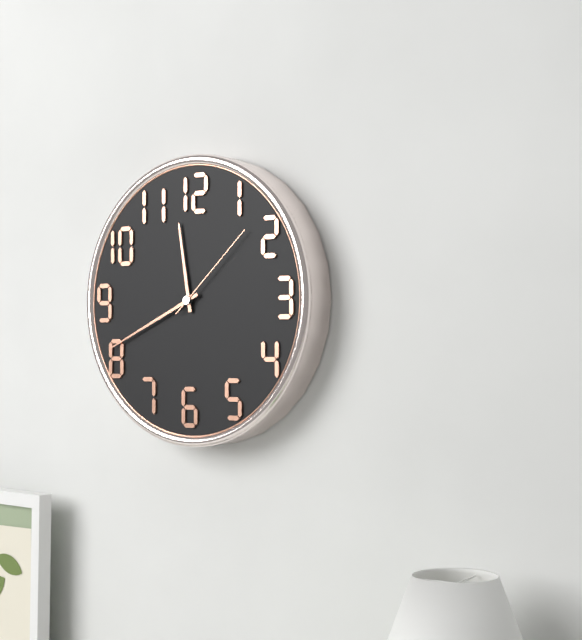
11:41:08
